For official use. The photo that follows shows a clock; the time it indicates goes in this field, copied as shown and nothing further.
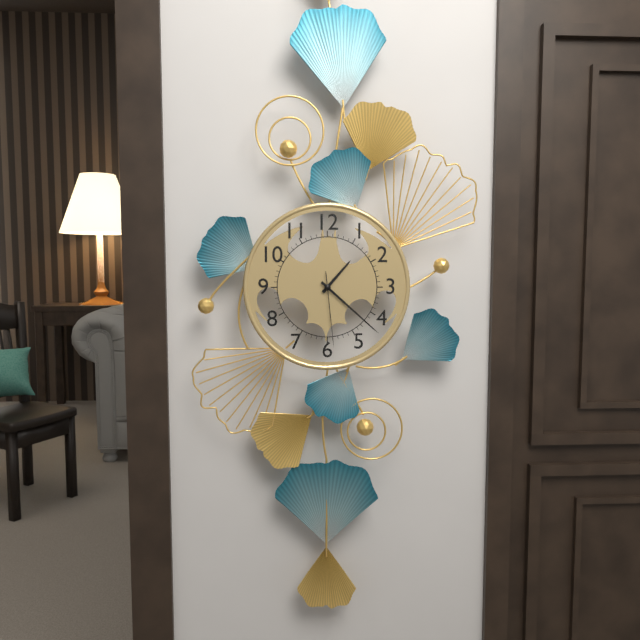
1:22:29
